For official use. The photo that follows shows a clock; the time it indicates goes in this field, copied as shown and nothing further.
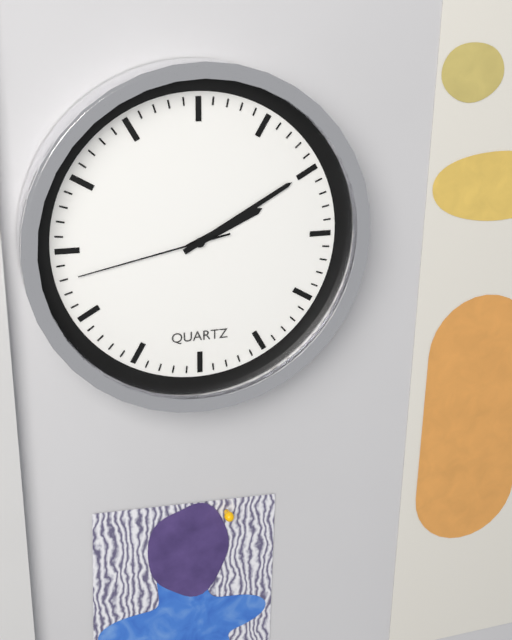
2:10:43
